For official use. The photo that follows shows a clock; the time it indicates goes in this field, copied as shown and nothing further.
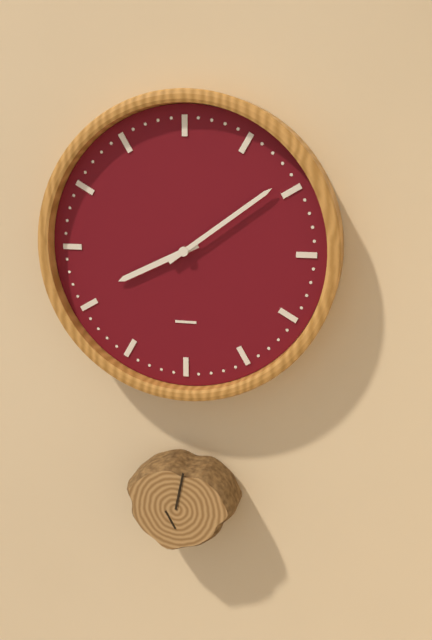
8:09
